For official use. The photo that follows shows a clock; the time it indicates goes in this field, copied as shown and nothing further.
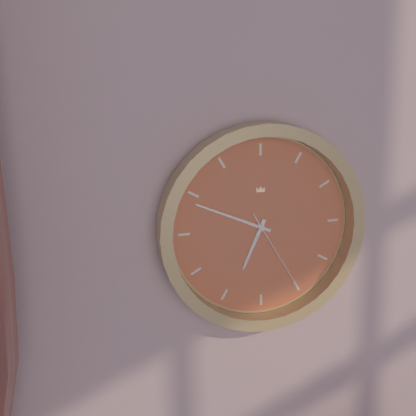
6:49:25
